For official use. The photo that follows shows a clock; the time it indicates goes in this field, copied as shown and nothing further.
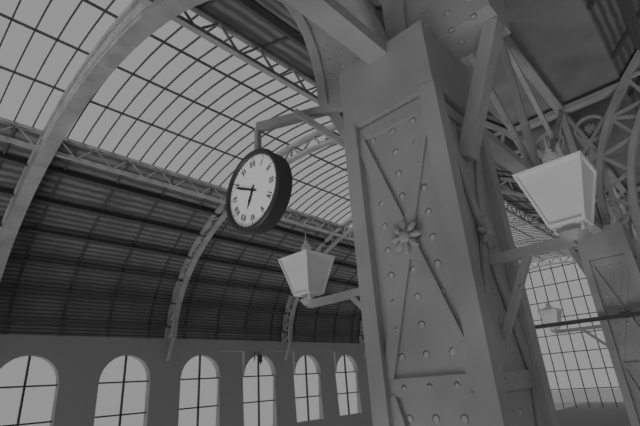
6:49
